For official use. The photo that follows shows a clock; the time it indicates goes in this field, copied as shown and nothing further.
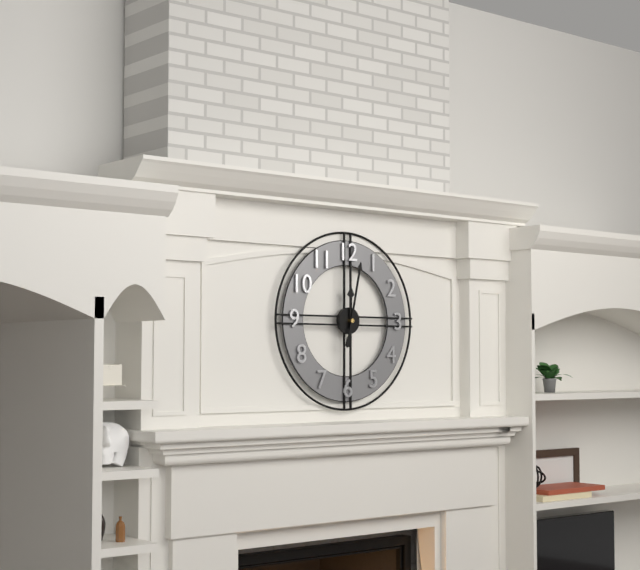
12:02
